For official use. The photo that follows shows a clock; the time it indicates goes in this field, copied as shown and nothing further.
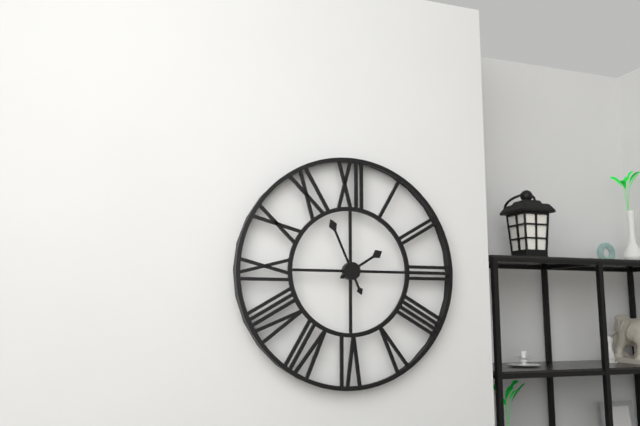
1:56
